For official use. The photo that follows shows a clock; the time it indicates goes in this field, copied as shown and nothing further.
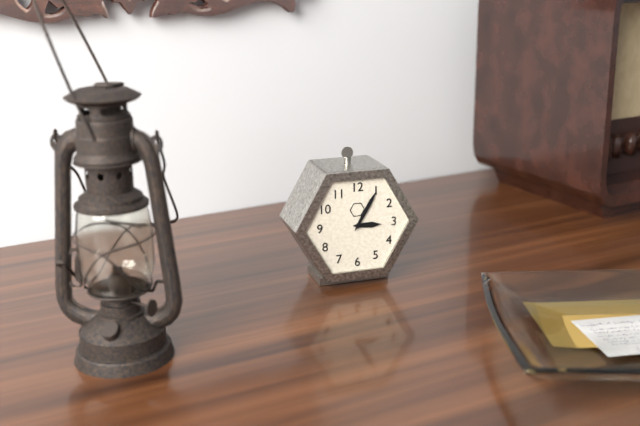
3:05
